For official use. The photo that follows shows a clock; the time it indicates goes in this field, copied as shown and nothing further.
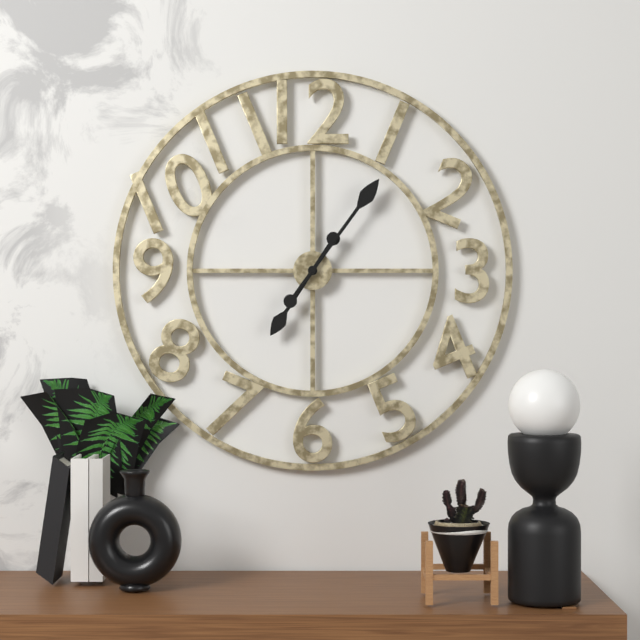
7:06
